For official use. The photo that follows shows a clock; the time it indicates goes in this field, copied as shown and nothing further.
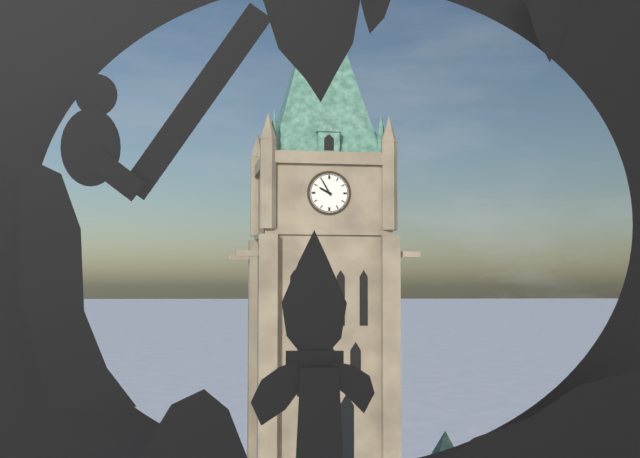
9:55
